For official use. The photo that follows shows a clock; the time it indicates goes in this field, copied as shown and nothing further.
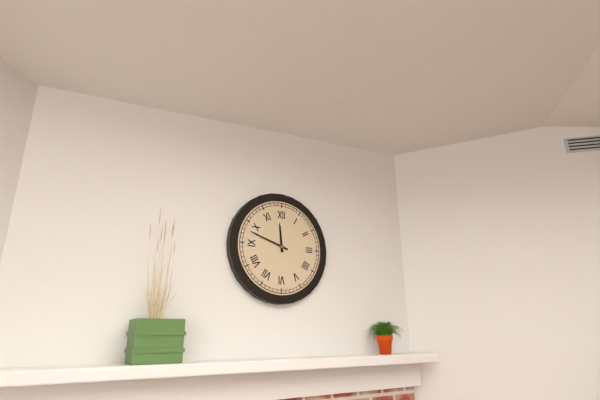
11:48
